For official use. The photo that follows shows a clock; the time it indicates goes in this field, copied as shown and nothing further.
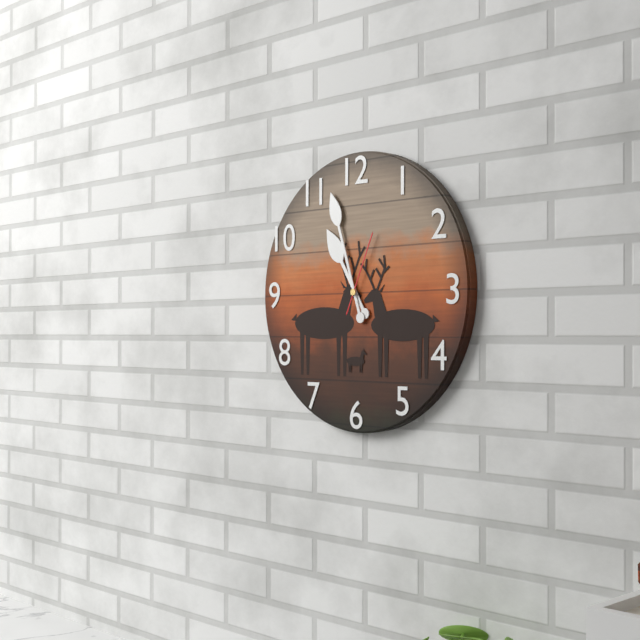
10:57:04
